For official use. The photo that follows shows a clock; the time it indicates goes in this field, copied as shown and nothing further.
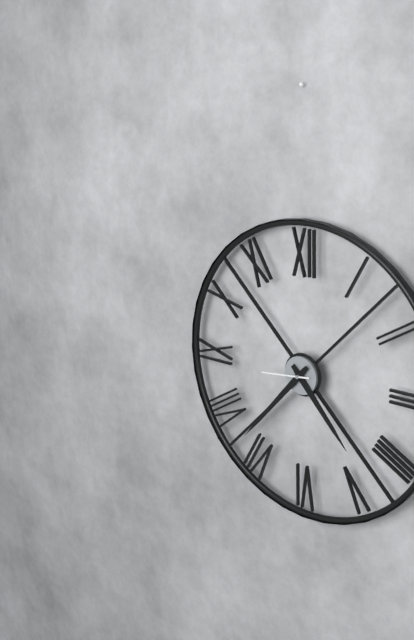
4:37
